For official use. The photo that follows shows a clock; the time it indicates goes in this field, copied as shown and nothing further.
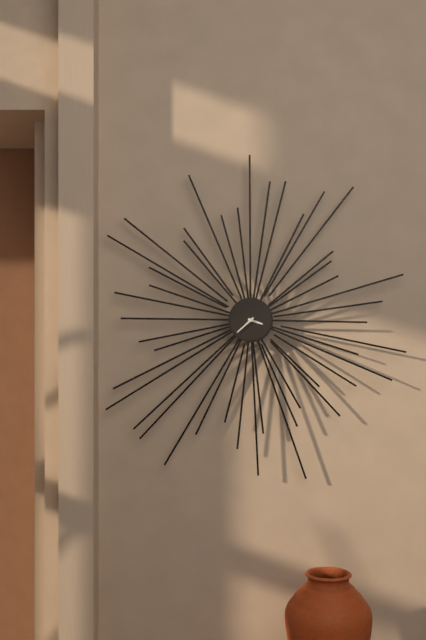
3:38
